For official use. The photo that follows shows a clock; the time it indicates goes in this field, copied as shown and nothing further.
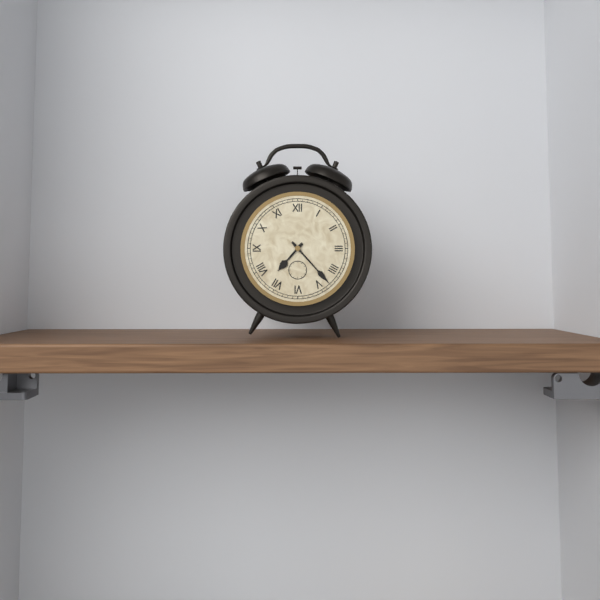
7:23
